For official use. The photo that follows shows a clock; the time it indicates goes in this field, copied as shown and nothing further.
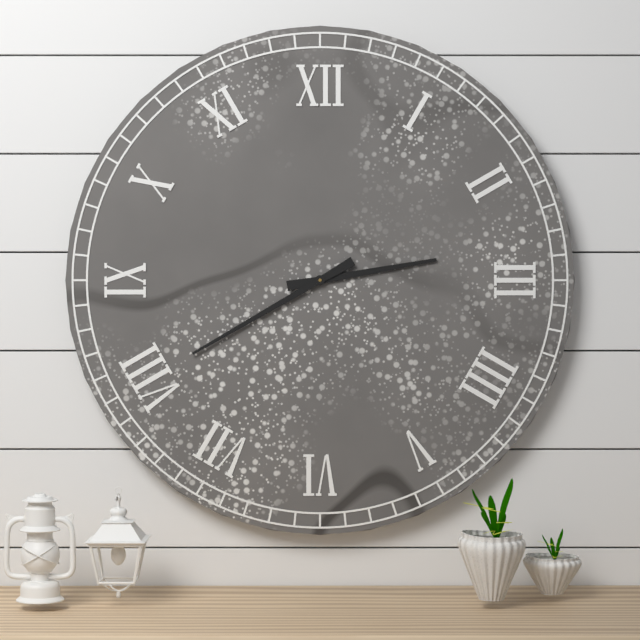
2:40
